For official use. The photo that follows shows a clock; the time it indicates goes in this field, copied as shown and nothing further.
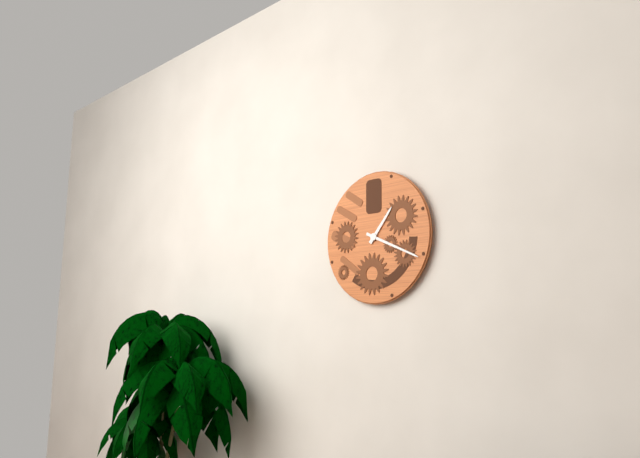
1:19
